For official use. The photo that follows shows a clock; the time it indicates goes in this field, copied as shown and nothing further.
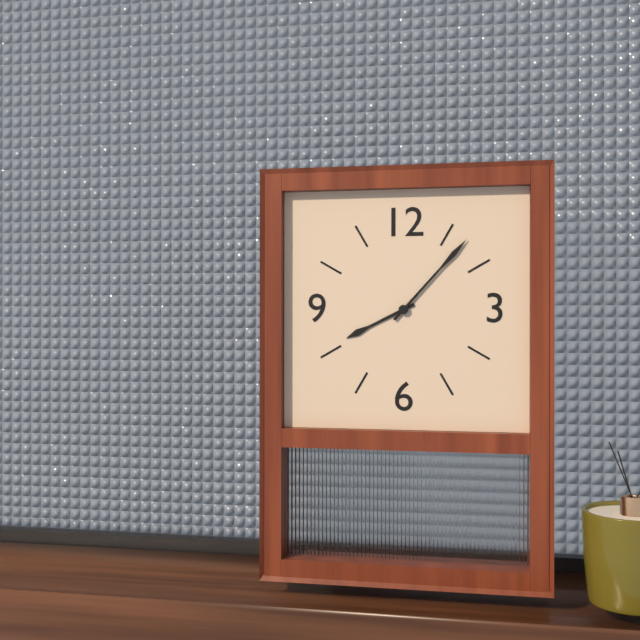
8:07
